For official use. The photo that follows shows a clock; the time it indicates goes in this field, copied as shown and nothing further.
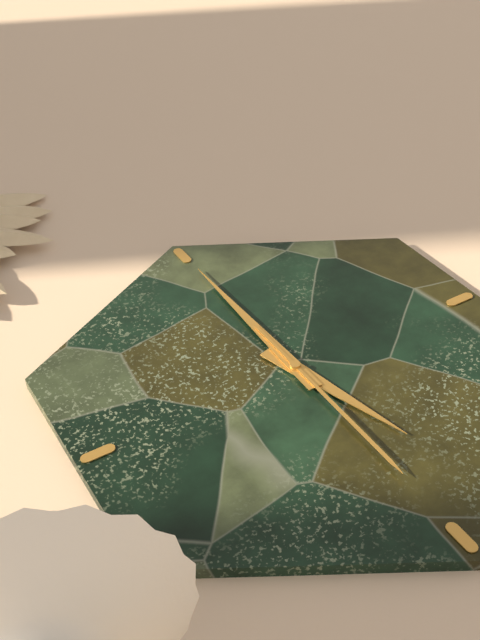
11:30:00
